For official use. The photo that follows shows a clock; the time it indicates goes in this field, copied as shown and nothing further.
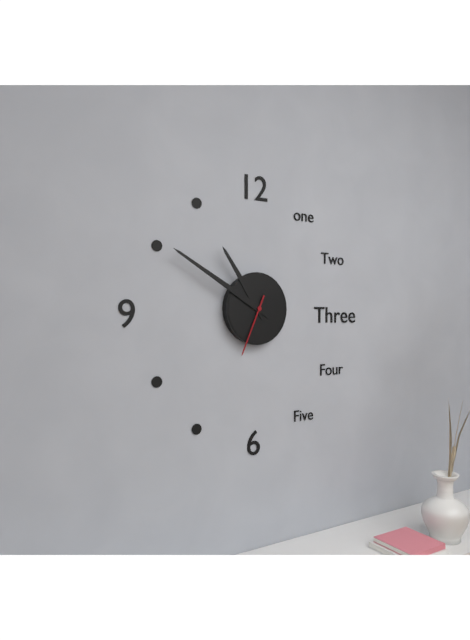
10:50:34
